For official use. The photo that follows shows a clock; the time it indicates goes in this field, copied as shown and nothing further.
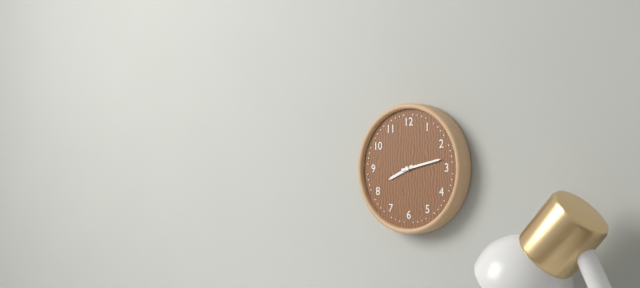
8:13
